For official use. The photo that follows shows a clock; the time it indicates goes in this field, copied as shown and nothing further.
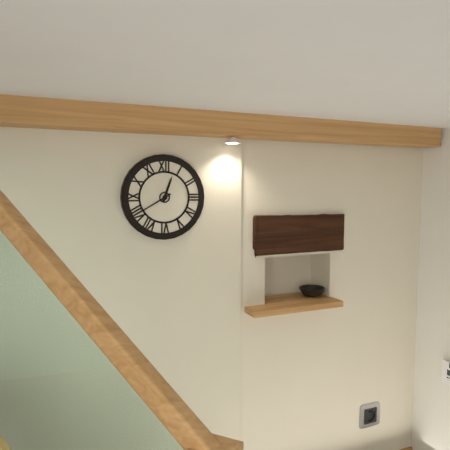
12:40
